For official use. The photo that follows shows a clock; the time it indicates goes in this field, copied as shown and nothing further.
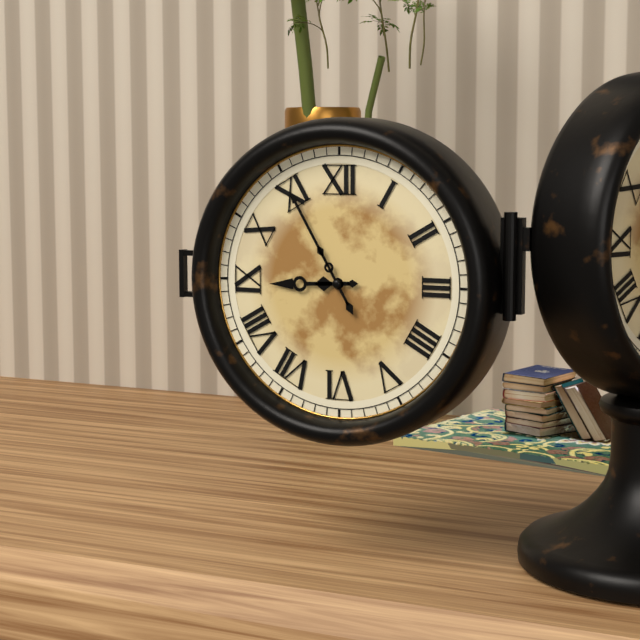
8:55
